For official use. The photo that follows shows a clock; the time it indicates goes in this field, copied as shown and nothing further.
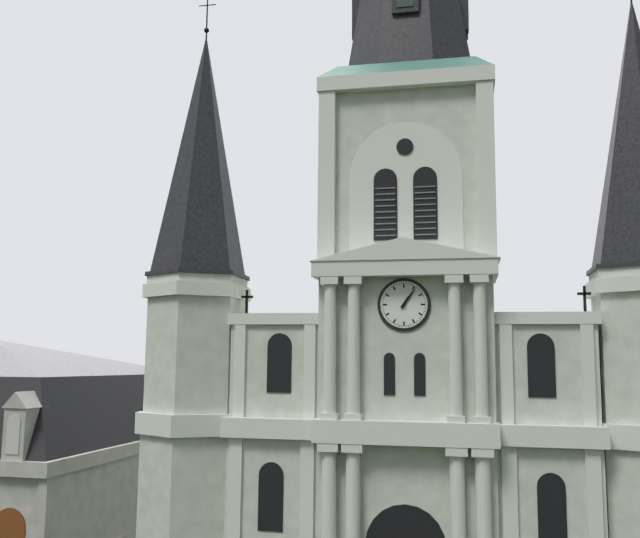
1:06
